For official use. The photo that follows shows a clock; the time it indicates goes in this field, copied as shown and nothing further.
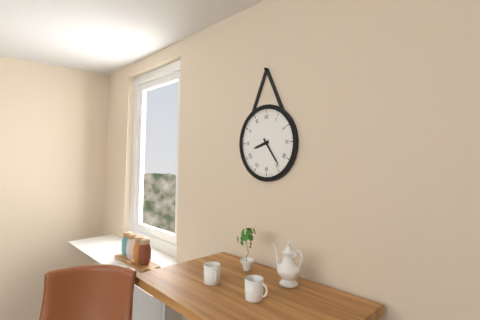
8:24
